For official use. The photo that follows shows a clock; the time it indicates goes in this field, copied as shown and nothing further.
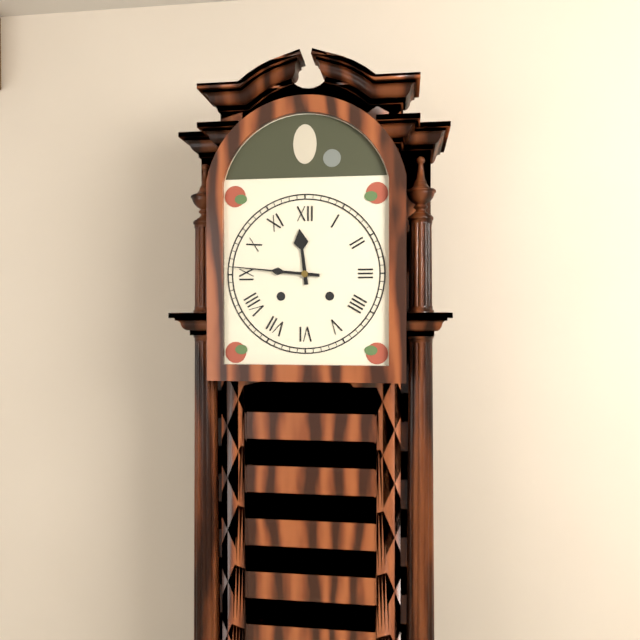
11:46
